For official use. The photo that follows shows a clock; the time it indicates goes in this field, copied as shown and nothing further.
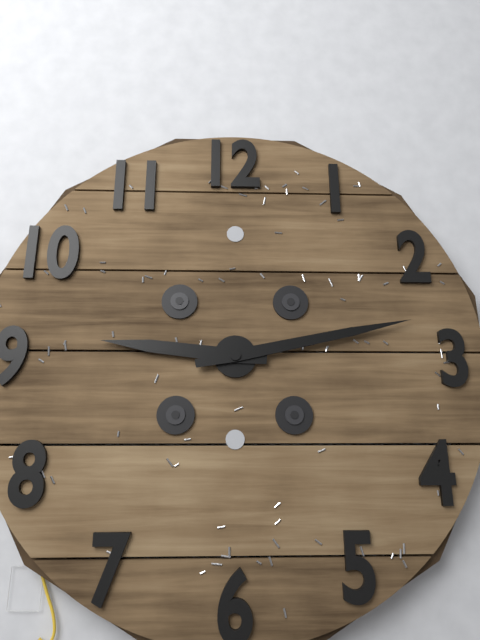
9:13
